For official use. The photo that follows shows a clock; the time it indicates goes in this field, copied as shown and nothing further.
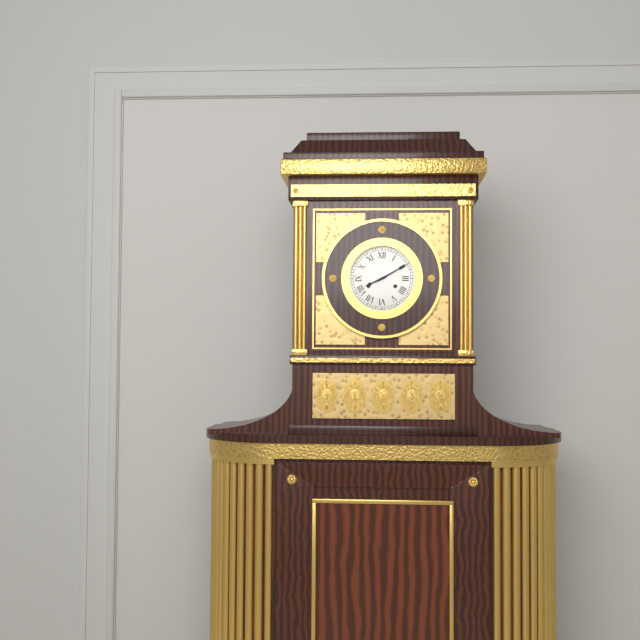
8:10
